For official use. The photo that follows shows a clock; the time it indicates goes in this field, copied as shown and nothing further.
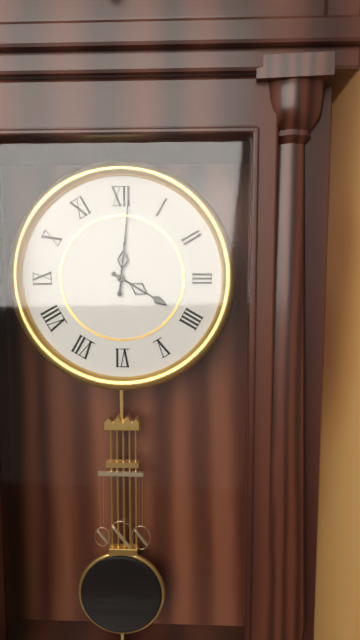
4:01
